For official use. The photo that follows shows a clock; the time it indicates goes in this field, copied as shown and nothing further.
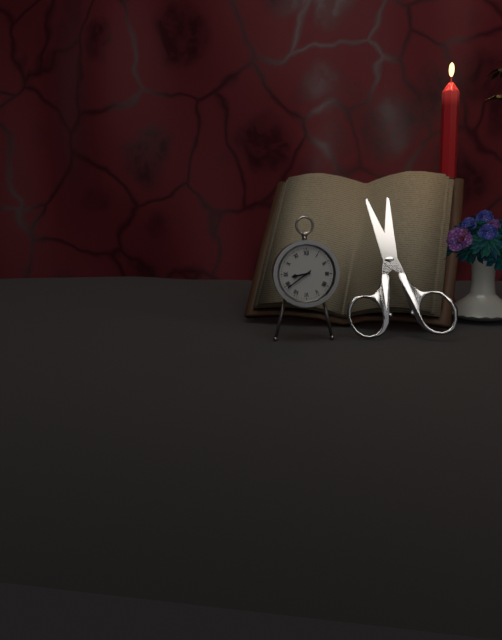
8:39
